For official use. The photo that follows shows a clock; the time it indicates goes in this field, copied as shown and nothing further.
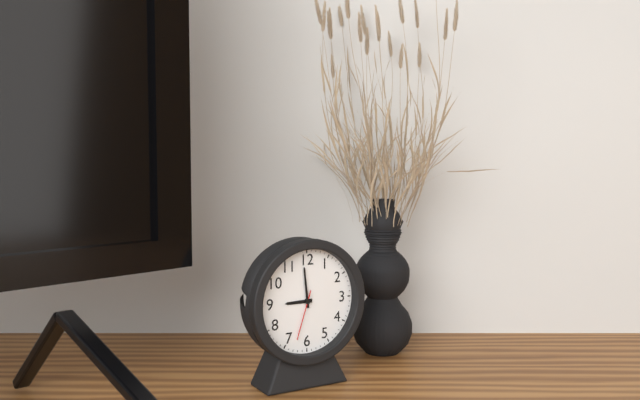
8:59:33
